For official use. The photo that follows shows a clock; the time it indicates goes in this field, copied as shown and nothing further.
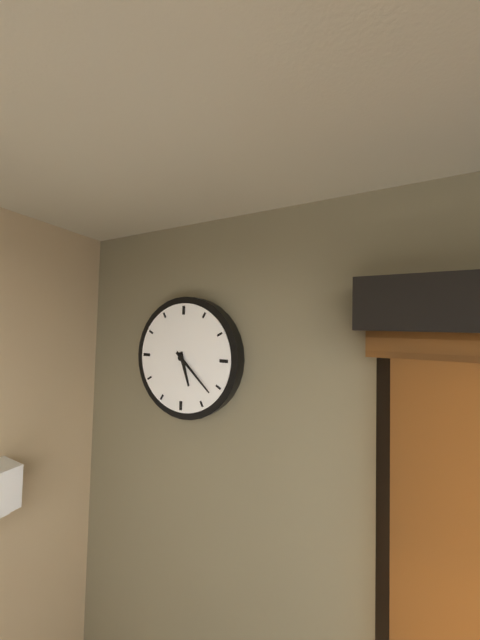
5:22
